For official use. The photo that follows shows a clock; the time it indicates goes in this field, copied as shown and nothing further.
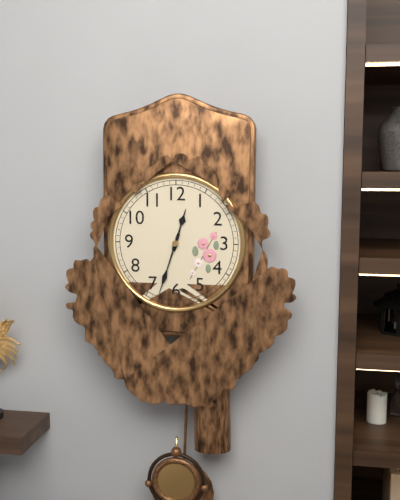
12:33
